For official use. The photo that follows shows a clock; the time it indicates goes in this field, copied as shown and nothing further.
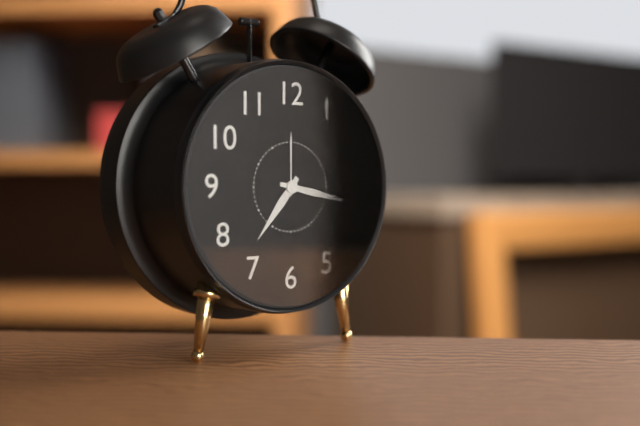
7:17
